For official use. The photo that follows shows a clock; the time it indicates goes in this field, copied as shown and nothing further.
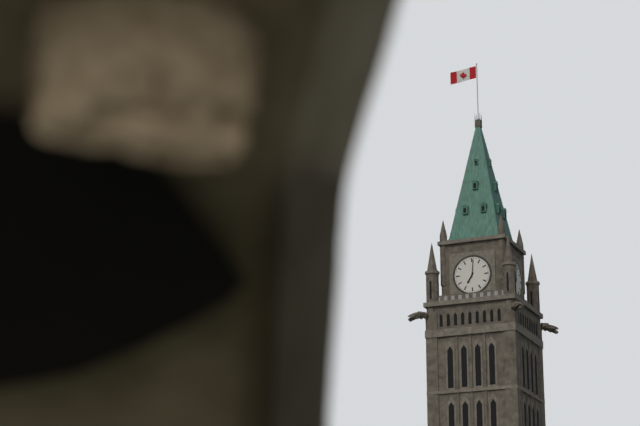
7:01
